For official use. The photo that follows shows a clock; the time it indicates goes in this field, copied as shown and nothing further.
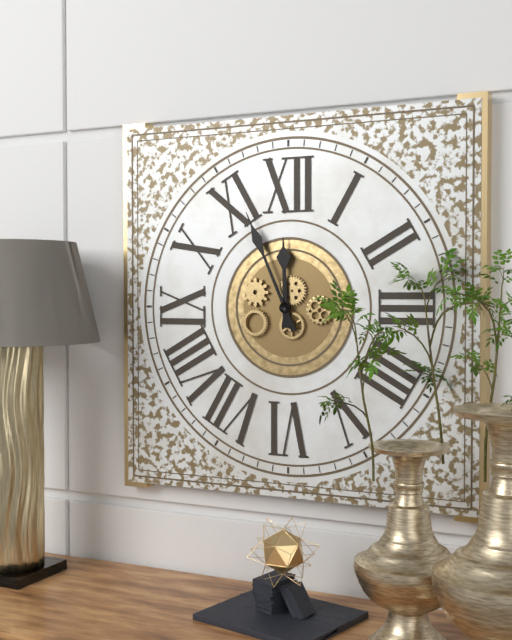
11:56
